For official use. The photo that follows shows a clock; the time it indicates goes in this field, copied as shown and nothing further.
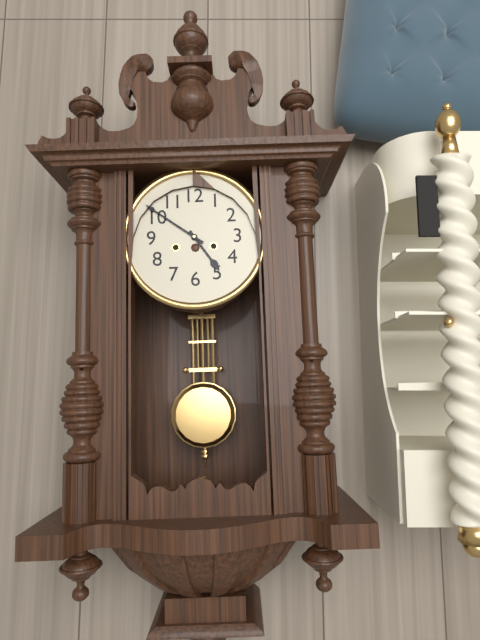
4:51
